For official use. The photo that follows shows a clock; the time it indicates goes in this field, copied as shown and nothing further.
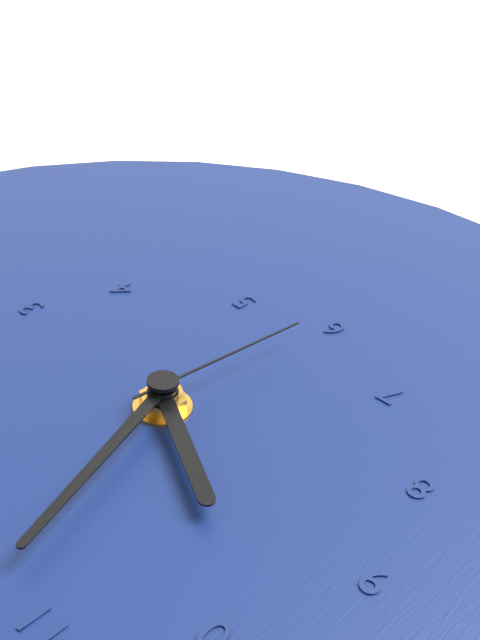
9:57:31
